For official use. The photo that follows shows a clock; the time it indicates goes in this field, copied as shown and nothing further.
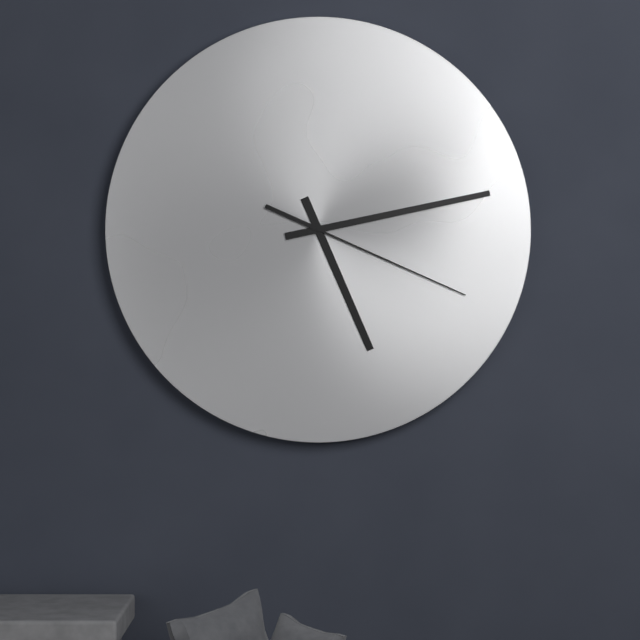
5:13:19
